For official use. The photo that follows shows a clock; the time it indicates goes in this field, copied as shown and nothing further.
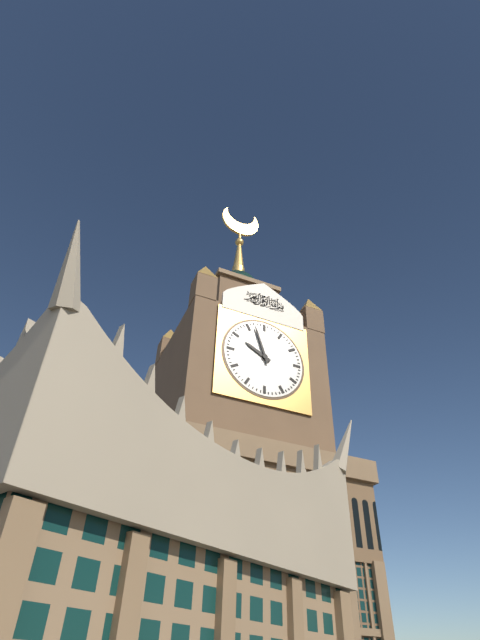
9:57
